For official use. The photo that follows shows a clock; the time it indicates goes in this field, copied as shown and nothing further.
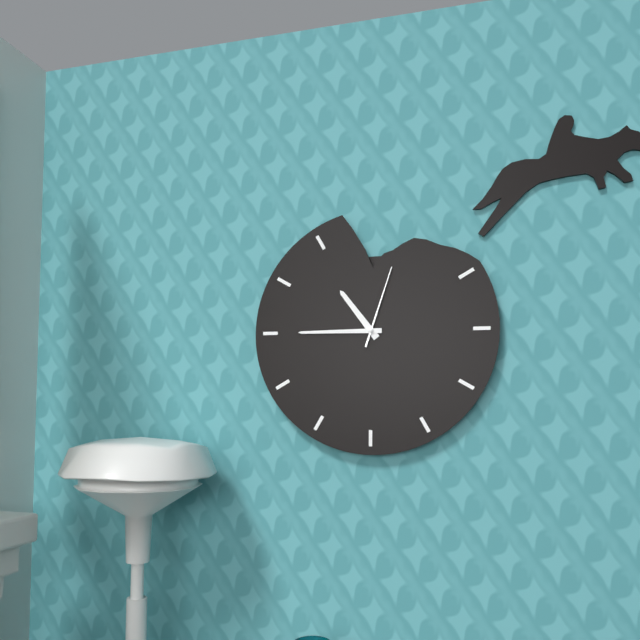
10:45:03
